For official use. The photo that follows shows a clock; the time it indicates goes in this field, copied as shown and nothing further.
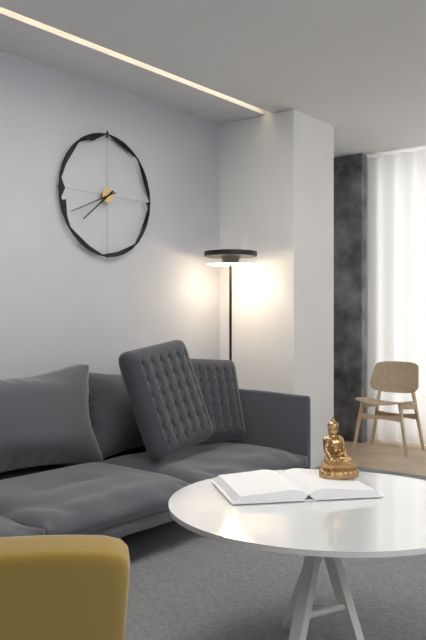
7:41
